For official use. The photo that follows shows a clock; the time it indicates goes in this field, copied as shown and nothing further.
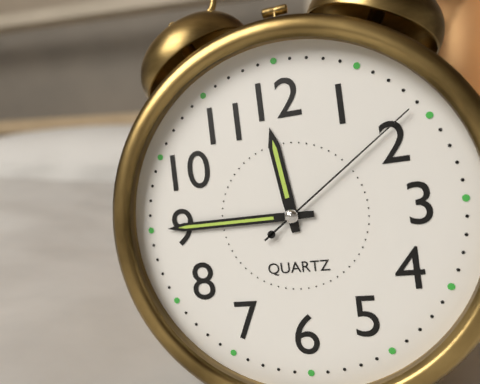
11:45:09
